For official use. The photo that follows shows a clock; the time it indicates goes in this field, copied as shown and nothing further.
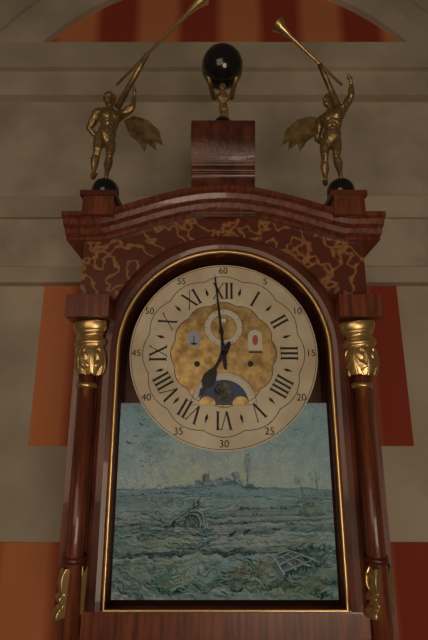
6:59
